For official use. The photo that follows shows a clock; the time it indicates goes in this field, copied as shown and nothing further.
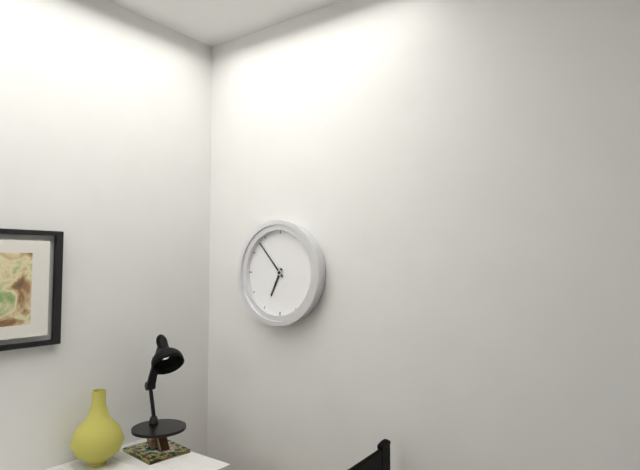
6:53
